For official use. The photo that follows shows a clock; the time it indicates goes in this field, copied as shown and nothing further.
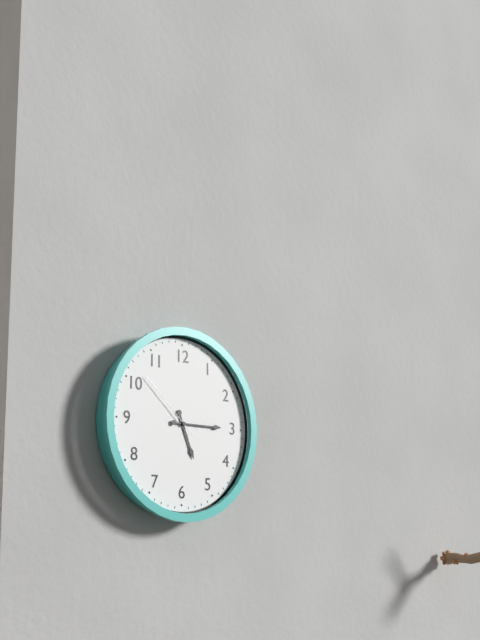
5:15:52
